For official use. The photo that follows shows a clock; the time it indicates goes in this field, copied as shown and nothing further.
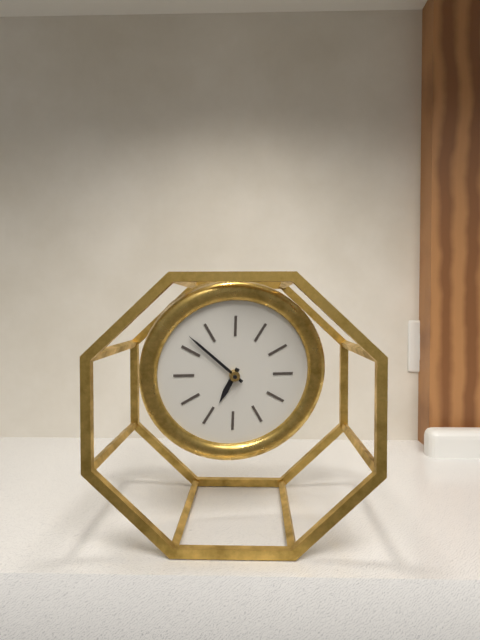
6:52
